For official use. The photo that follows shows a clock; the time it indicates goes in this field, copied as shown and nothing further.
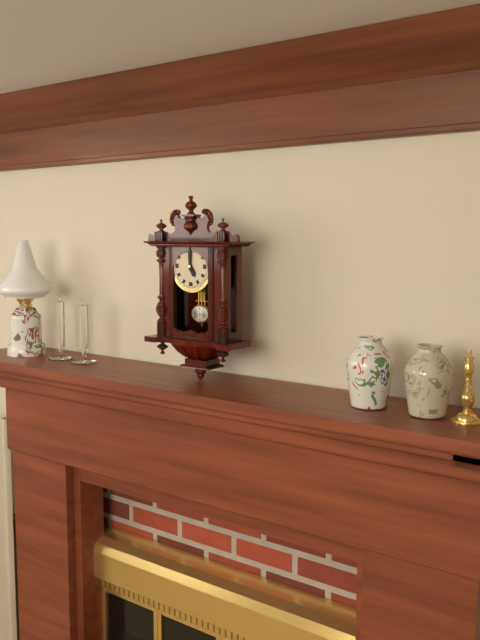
5:00
